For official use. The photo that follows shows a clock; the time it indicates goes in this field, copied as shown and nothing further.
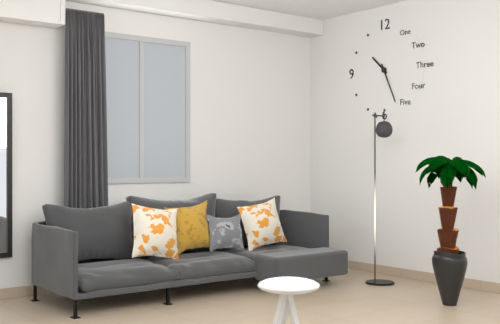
10:26
